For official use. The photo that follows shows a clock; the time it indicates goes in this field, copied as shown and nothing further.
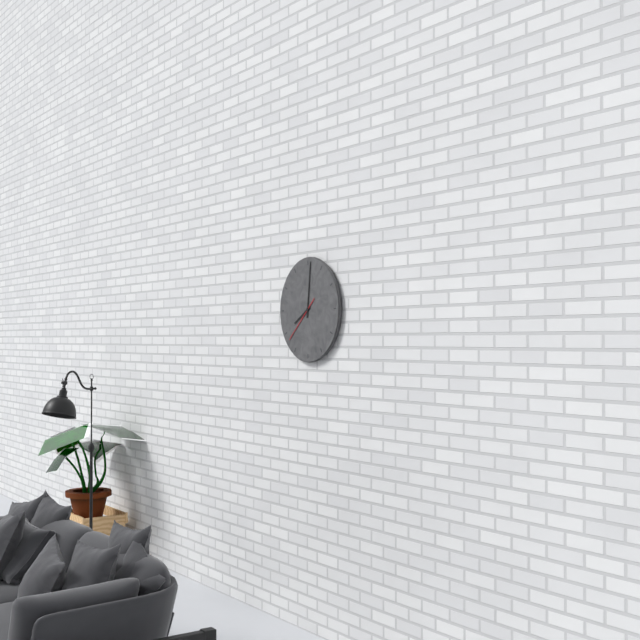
8:01
